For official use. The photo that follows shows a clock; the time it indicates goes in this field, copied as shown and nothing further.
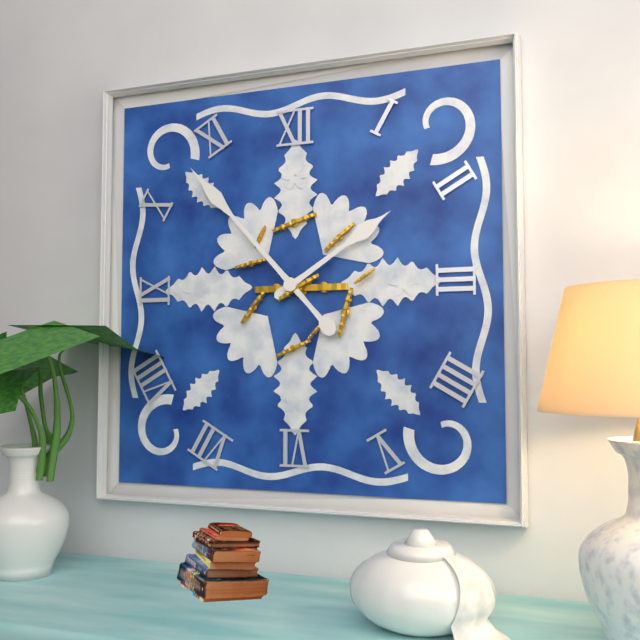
1:53
